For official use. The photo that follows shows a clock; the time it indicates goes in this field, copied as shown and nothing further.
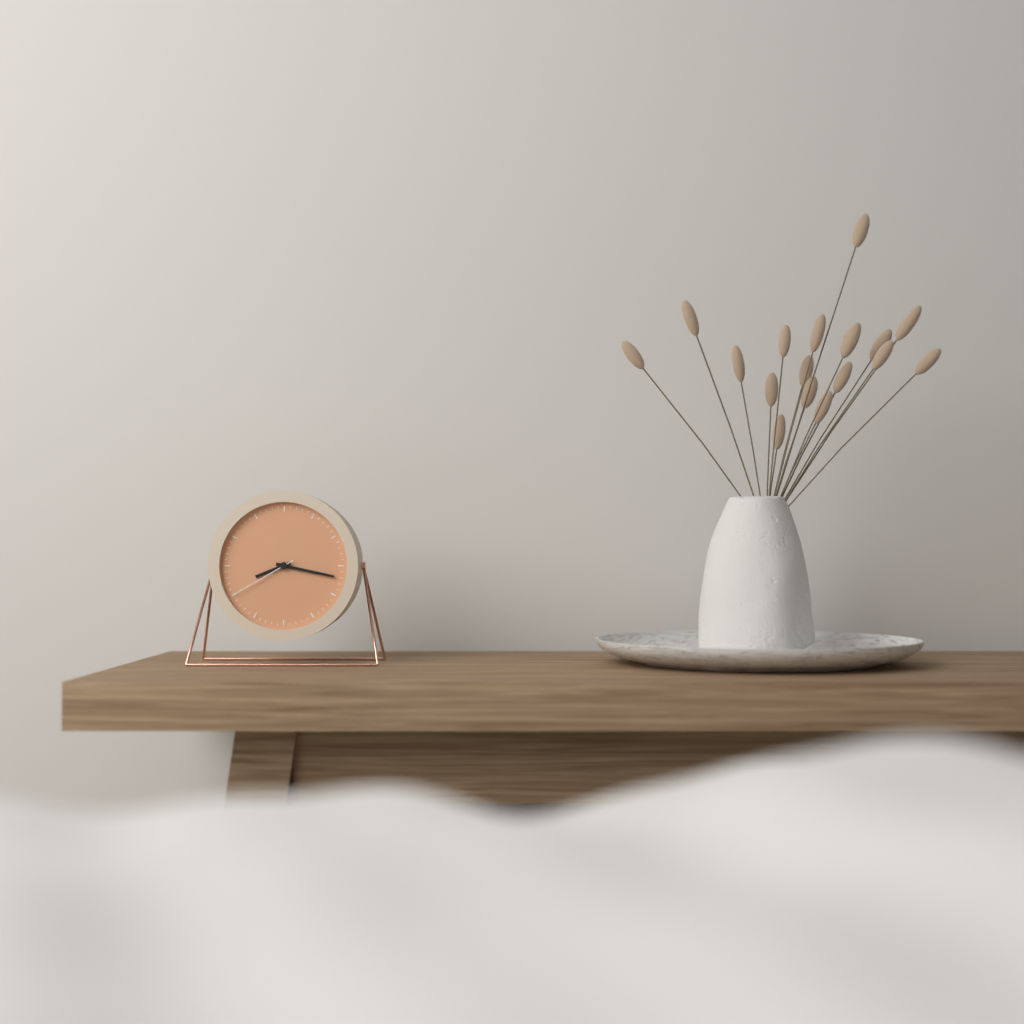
8:17:40
